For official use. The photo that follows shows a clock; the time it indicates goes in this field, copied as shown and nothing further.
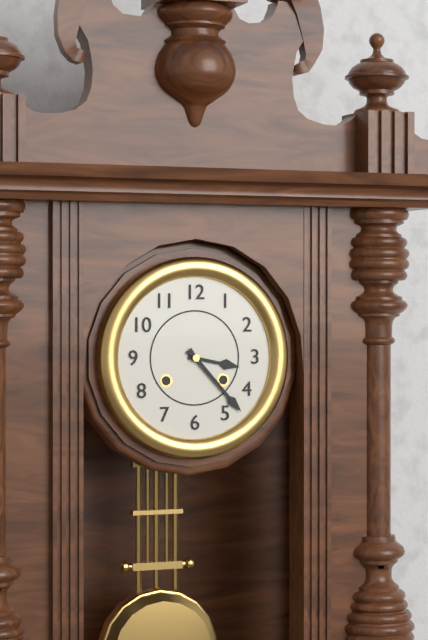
3:23
